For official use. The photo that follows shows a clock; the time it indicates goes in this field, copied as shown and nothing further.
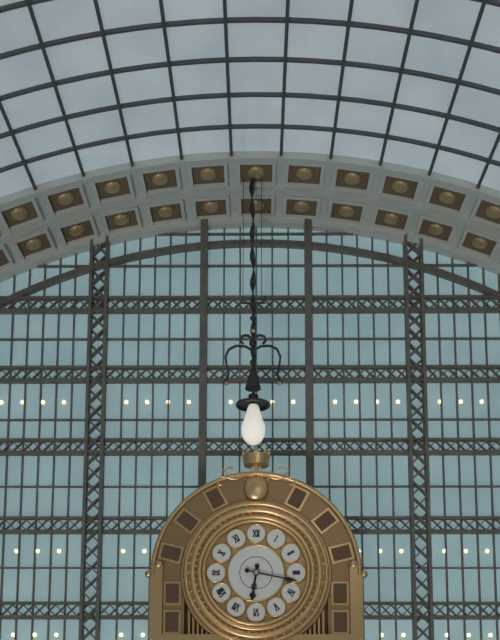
6:17
